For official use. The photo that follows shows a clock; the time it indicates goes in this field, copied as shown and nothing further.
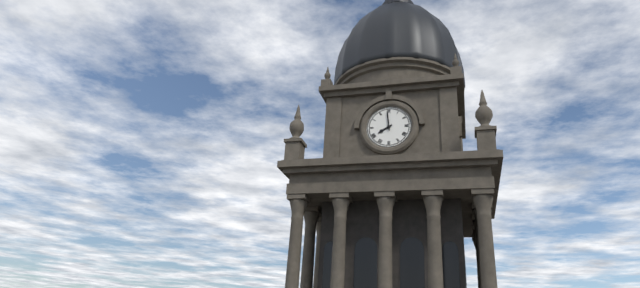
7:59
